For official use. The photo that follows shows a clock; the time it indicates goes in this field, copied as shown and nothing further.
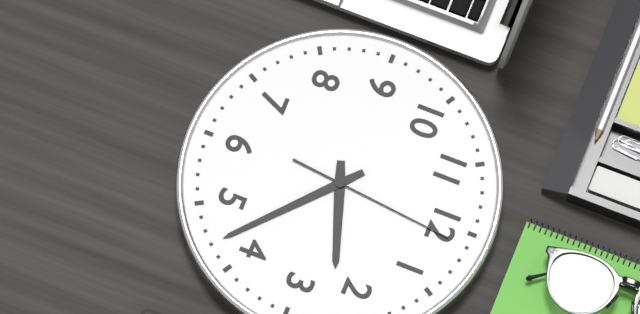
2:22:01
